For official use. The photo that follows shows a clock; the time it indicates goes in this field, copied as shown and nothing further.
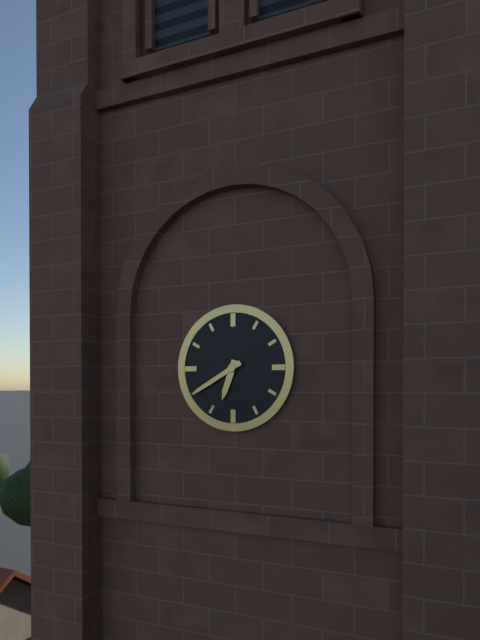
6:40
